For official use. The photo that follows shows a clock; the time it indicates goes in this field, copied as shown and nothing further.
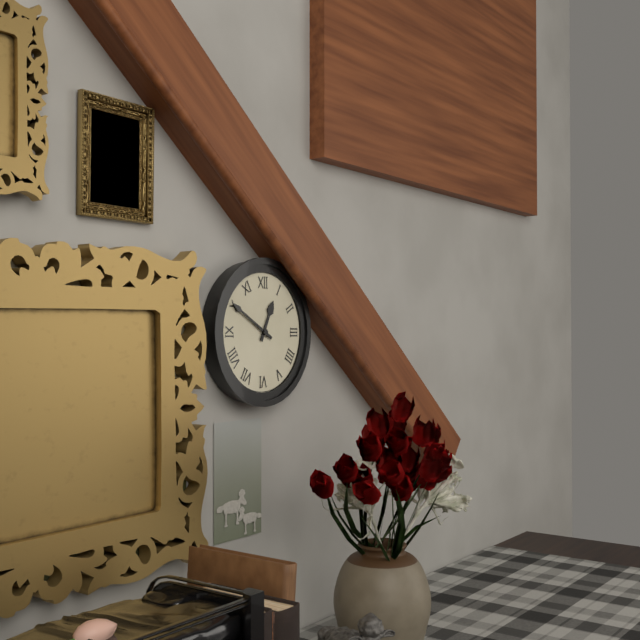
12:50
